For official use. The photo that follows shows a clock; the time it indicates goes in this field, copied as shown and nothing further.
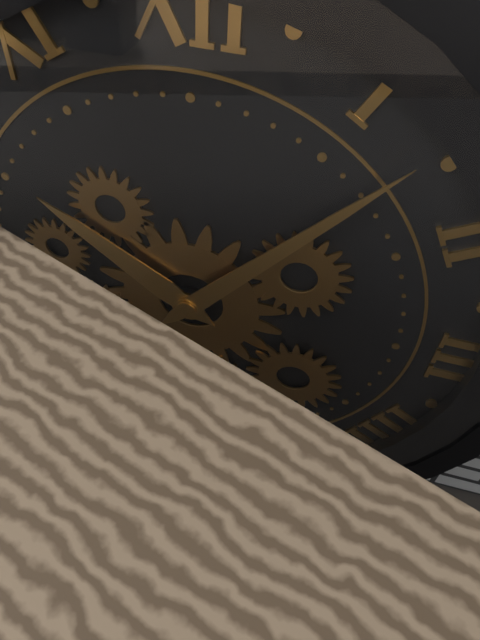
10:07
